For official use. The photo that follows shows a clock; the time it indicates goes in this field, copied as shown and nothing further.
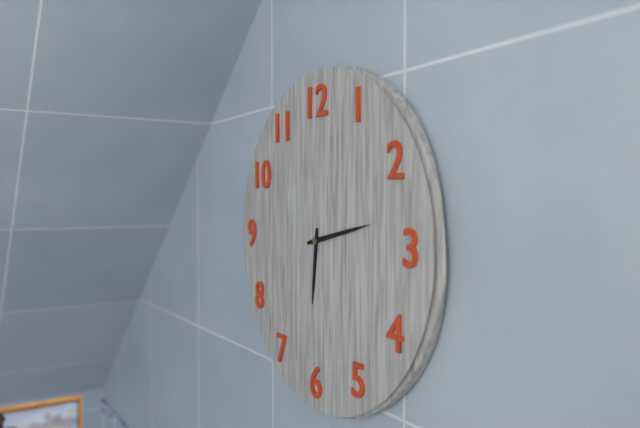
6:13
